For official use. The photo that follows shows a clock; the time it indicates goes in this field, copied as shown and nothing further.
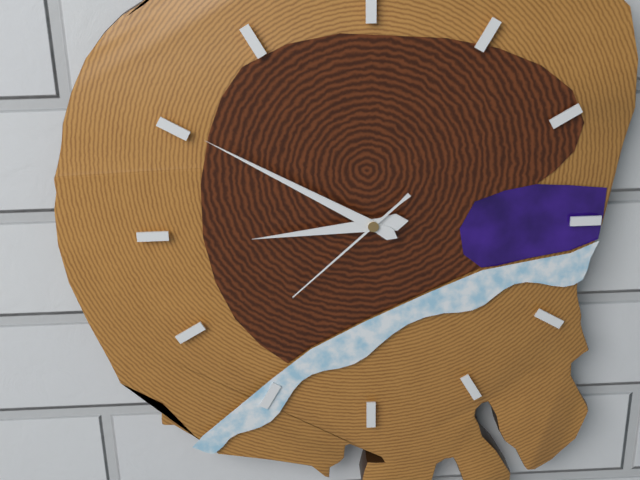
8:50:38
